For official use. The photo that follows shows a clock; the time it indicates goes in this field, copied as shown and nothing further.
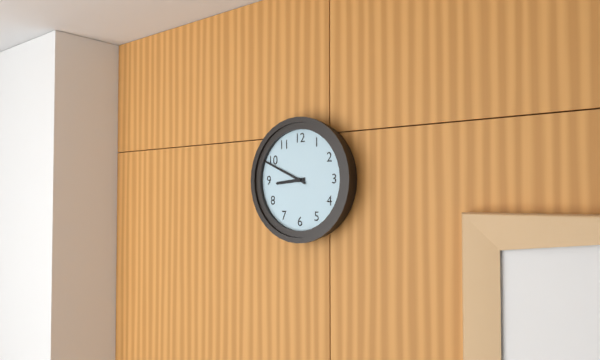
8:49
